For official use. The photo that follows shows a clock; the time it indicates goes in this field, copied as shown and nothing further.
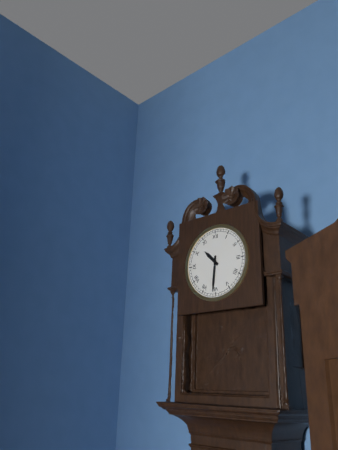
10:31
